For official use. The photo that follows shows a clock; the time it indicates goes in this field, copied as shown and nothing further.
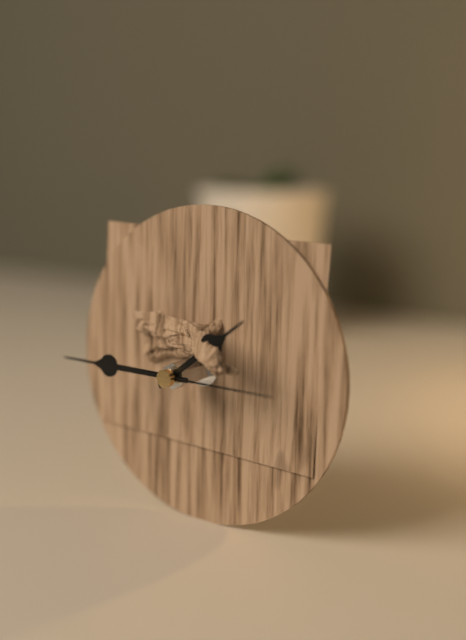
1:45:15
